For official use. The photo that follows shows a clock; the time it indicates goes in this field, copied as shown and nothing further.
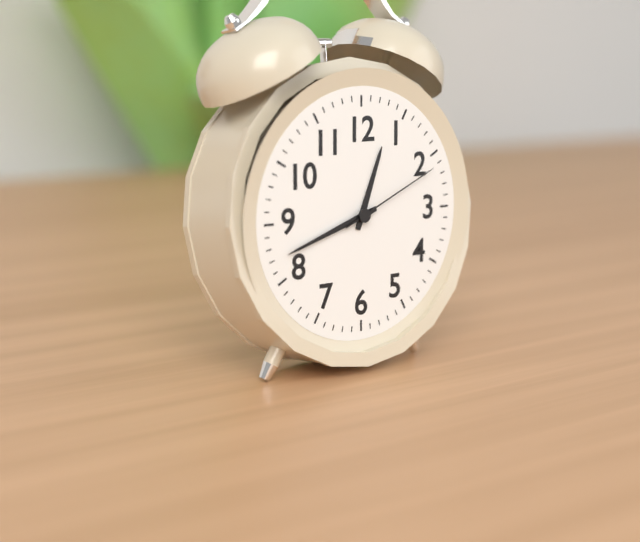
12:42:11
